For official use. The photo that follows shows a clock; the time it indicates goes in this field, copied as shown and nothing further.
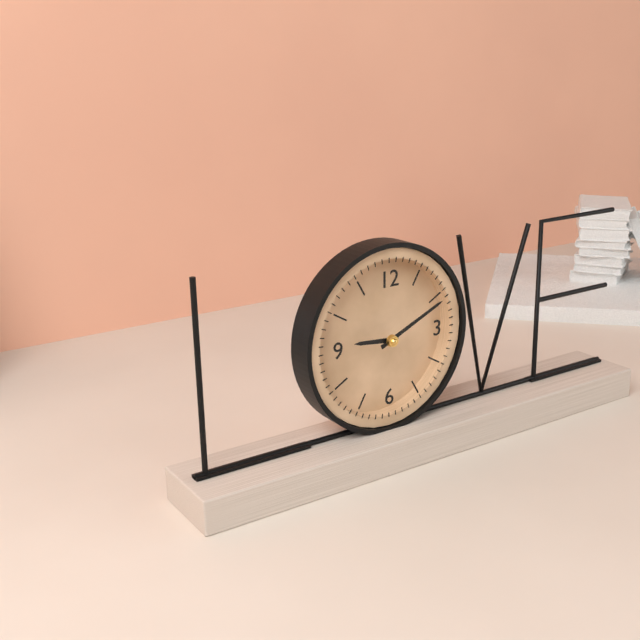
9:11
